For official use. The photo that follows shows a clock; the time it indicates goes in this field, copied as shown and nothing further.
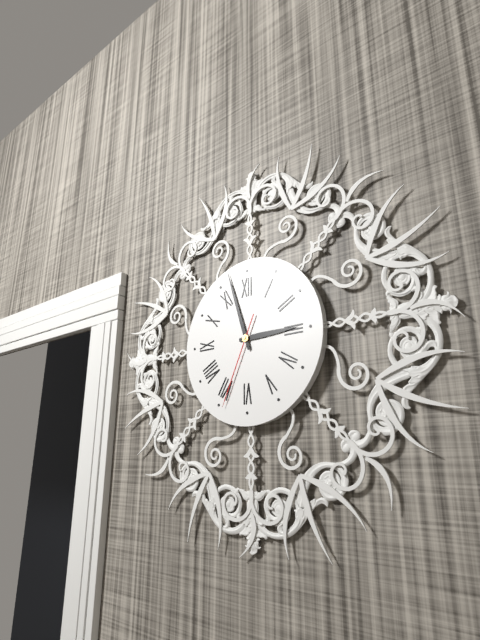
2:57:34
